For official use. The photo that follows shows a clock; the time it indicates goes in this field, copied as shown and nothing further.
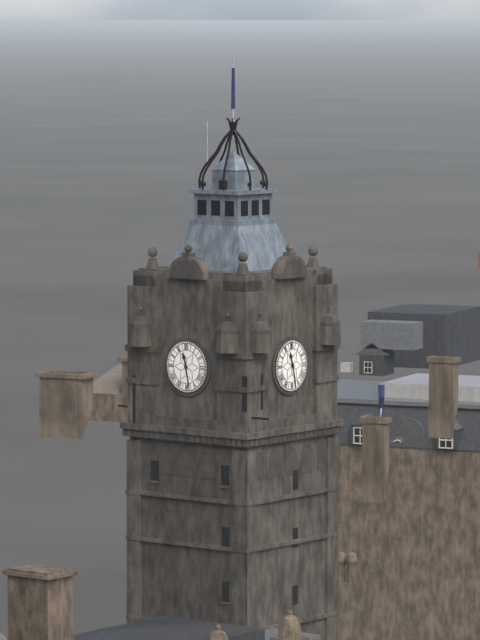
11:28
